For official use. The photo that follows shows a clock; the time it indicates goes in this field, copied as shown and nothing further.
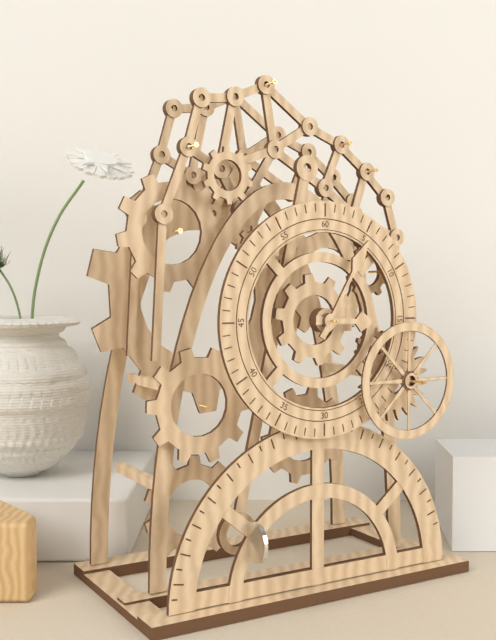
3:05
